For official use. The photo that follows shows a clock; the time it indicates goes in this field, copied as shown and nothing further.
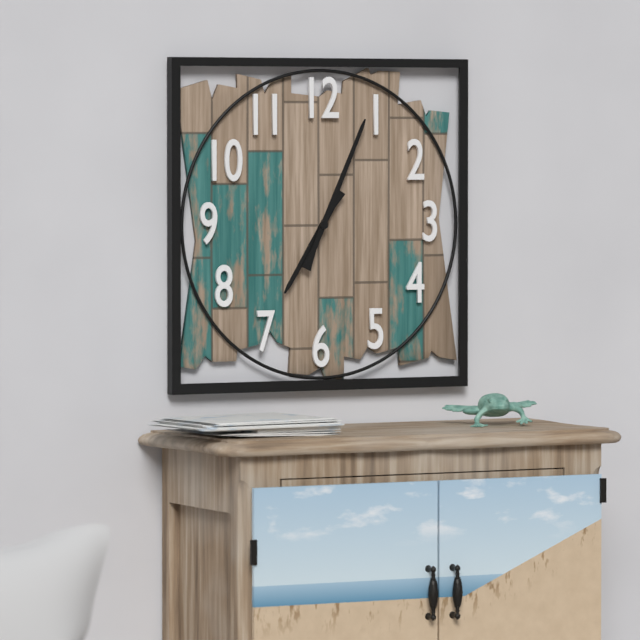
7:04
